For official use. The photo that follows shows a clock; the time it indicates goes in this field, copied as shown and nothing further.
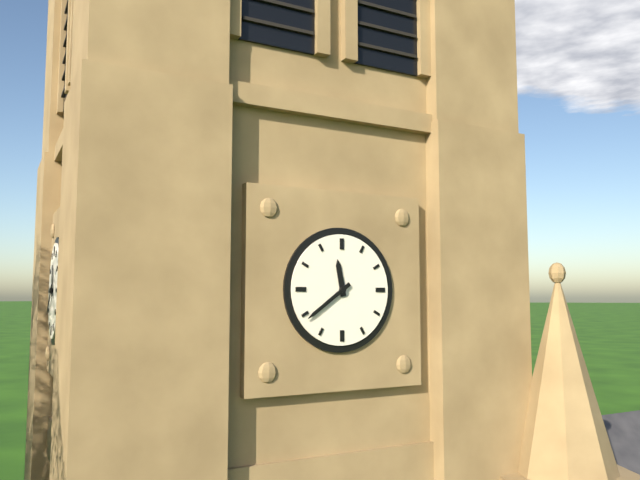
11:39
